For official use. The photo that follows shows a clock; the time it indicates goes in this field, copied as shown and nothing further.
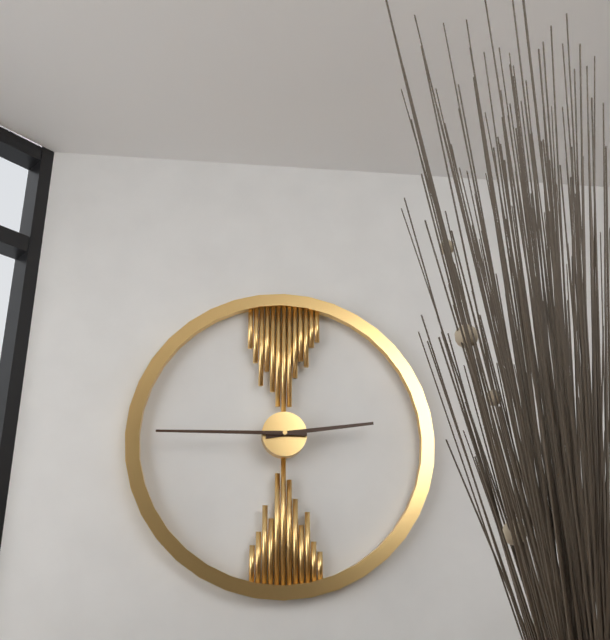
2:45
